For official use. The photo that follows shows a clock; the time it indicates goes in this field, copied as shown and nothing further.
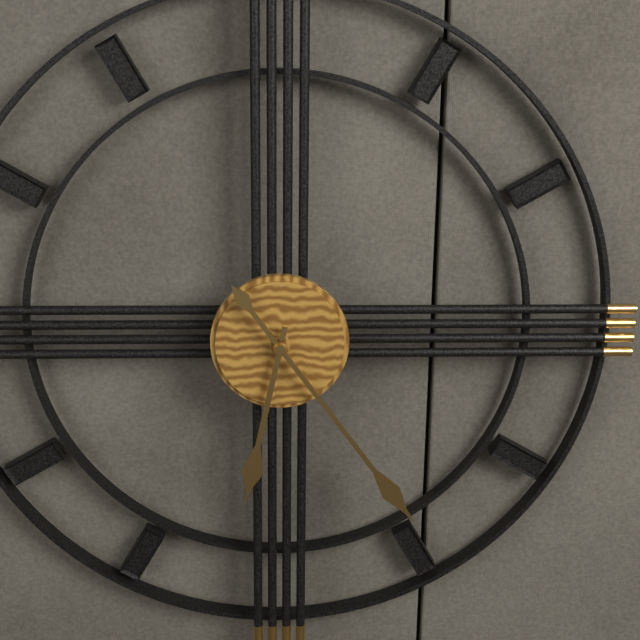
6:24
